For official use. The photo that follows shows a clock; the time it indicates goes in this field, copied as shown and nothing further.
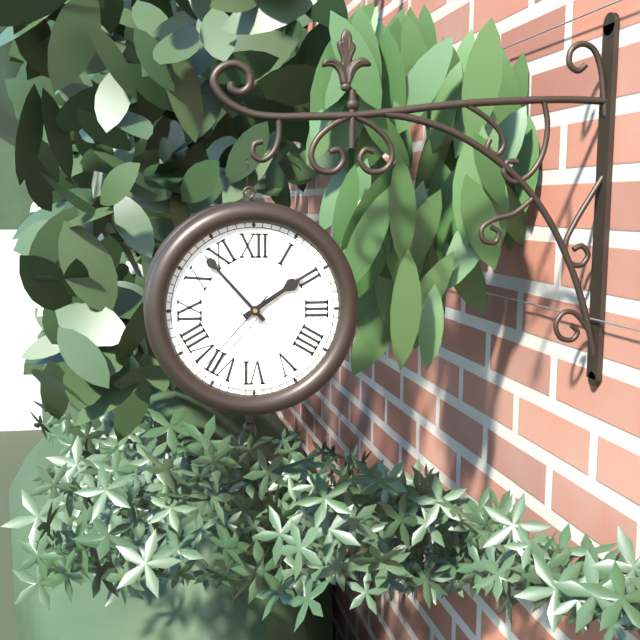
1:53:37
